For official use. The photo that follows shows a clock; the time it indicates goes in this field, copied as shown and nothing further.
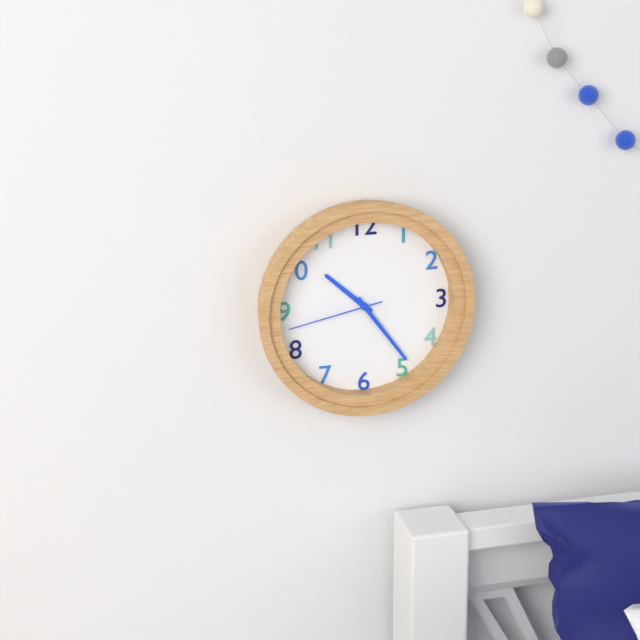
10:24:43
